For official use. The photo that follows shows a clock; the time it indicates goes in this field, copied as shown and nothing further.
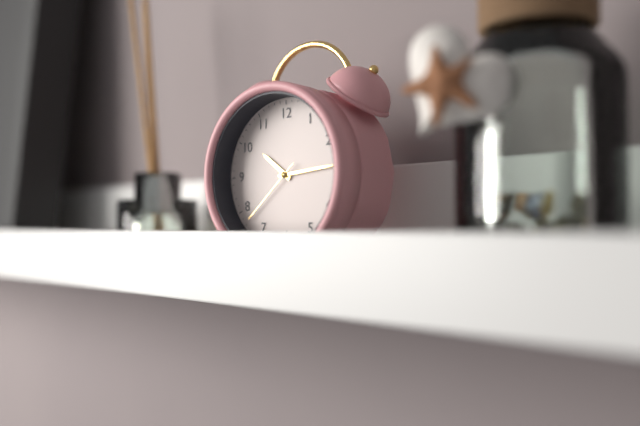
10:14:38
